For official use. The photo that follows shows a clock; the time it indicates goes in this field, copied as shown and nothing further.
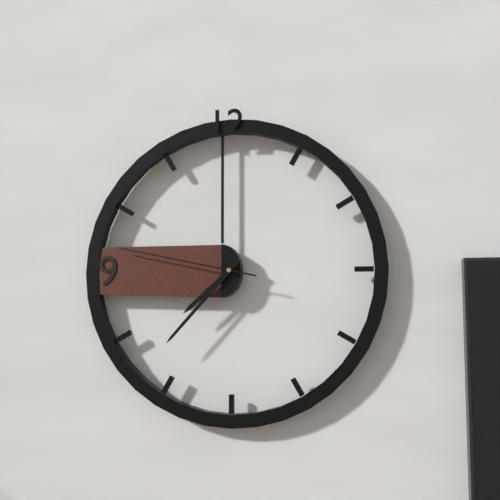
7:37:47
